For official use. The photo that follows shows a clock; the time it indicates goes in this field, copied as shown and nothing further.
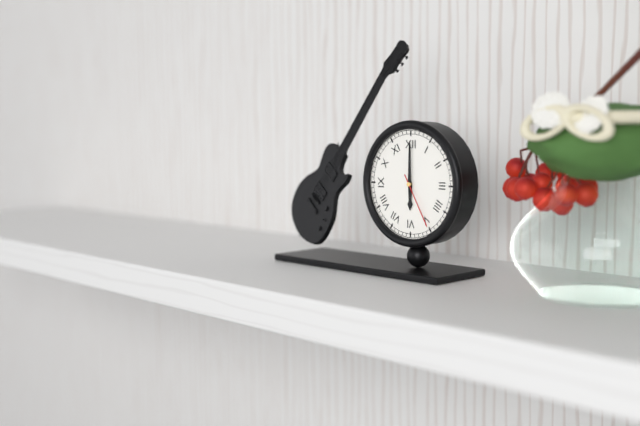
6:00:25
